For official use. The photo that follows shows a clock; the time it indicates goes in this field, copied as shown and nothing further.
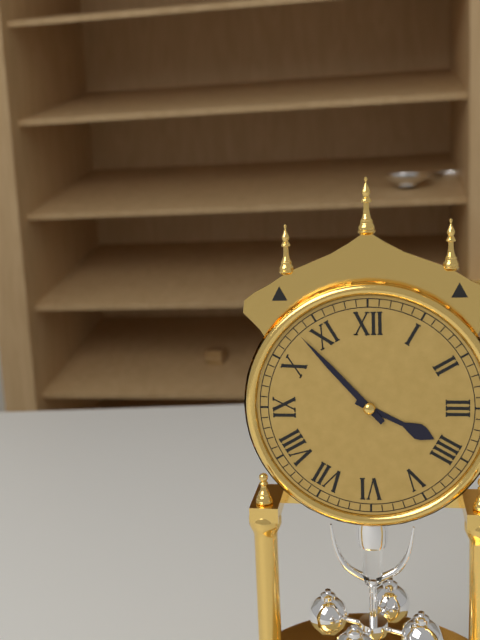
3:53
